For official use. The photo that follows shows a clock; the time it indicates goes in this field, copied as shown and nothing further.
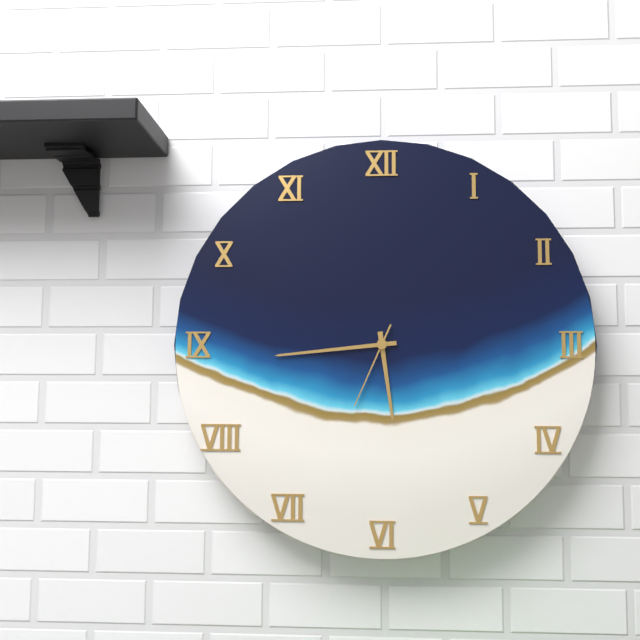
5:44:34
